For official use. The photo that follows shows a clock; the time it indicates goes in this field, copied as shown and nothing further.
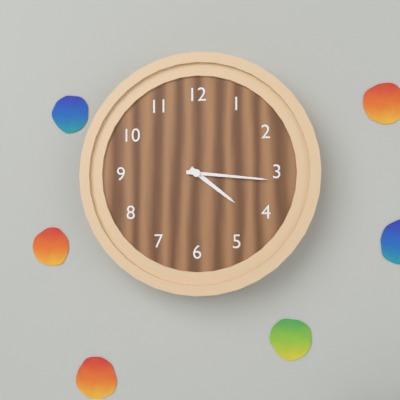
4:16
